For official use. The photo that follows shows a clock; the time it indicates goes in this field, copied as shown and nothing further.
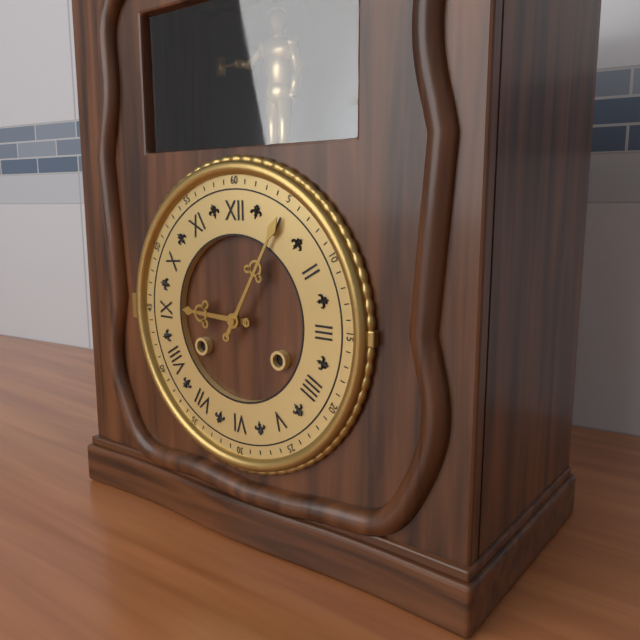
9:05
